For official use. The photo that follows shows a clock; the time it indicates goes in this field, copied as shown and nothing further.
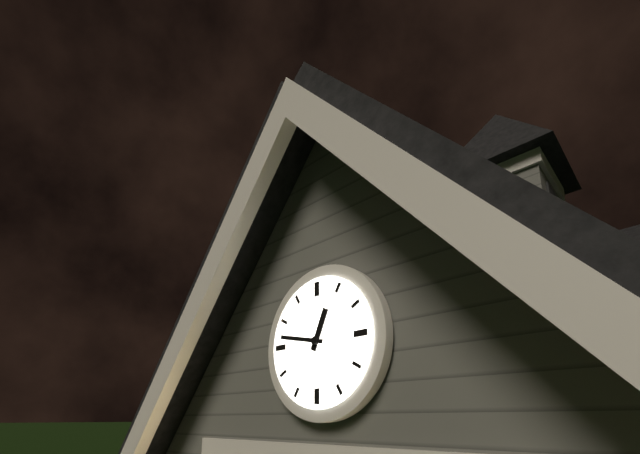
12:47
